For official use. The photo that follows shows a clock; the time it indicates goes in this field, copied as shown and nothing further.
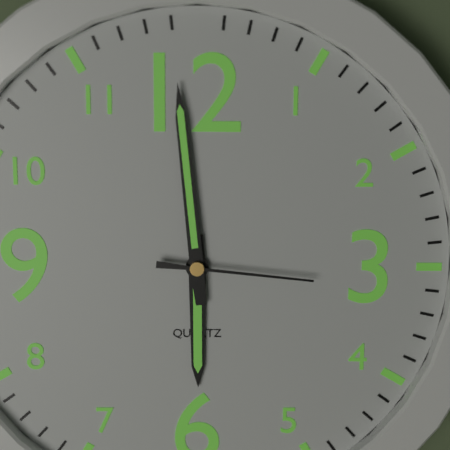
5:59:16
